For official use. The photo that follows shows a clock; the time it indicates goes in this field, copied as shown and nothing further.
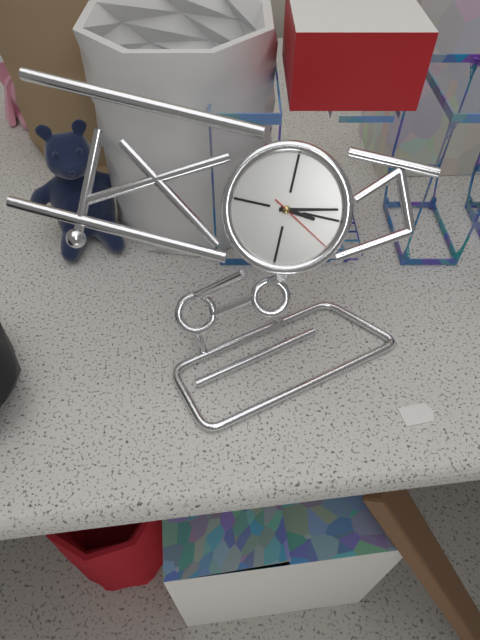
3:13:20
